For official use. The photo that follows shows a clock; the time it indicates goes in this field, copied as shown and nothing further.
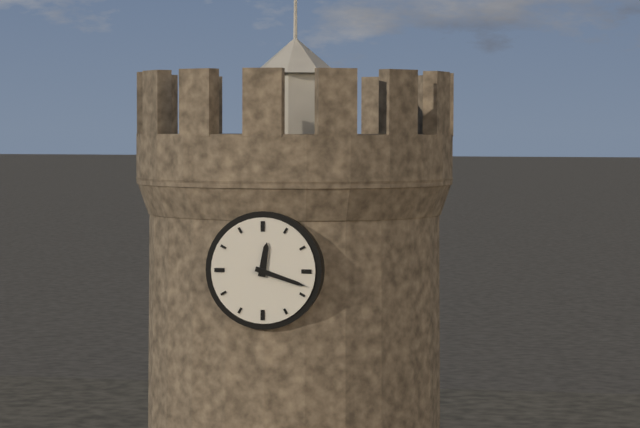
12:18
